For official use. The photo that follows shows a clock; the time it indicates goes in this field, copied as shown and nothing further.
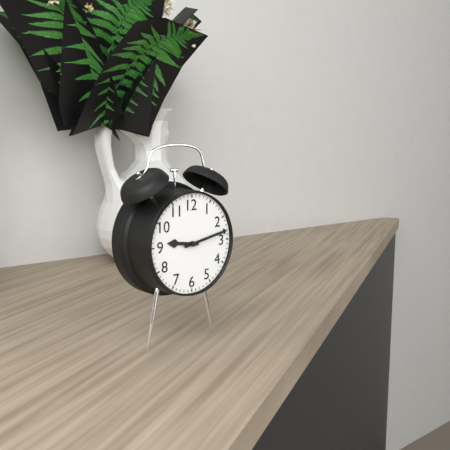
9:13
